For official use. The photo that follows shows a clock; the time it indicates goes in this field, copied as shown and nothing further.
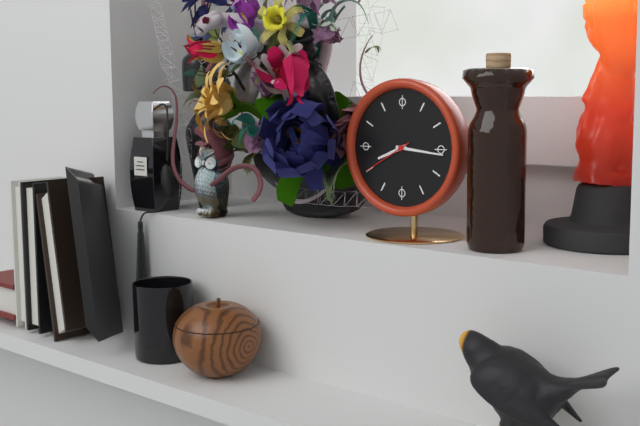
8:16:40
